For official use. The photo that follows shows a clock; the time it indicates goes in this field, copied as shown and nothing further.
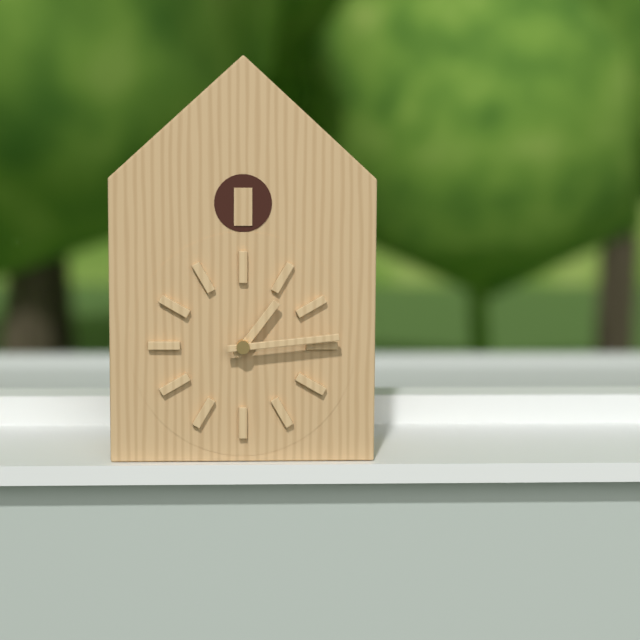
1:14
